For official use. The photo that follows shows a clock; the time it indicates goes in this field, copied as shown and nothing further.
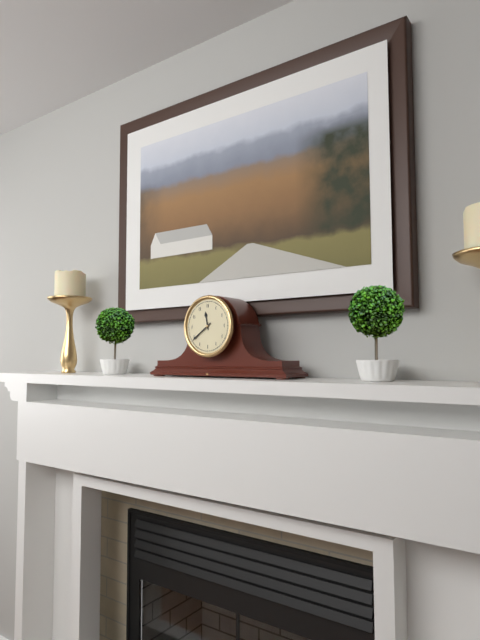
11:39
